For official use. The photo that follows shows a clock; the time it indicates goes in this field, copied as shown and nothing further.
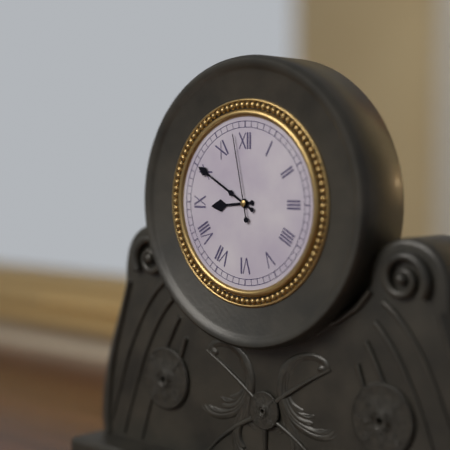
8:50:58
